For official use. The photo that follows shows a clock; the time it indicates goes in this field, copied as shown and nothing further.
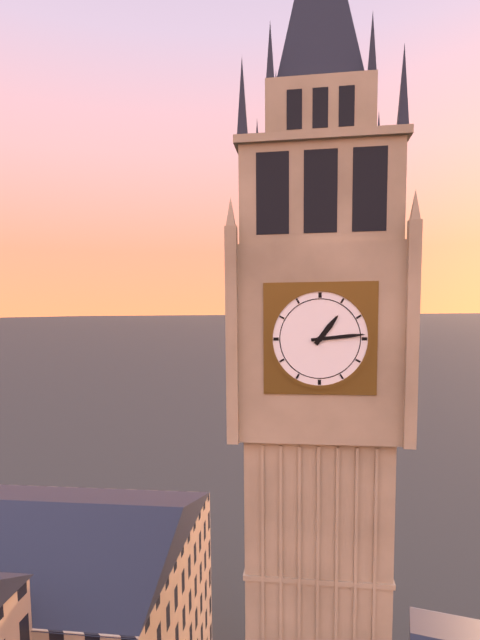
1:14
